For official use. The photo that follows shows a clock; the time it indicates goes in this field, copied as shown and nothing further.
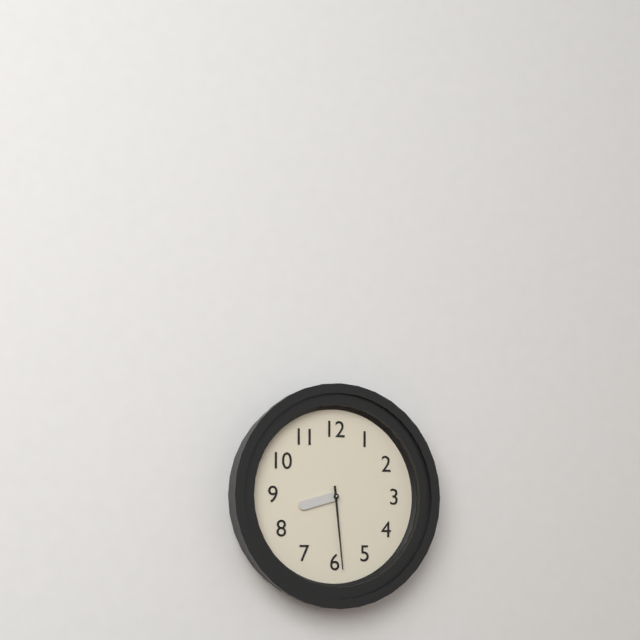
8:29
